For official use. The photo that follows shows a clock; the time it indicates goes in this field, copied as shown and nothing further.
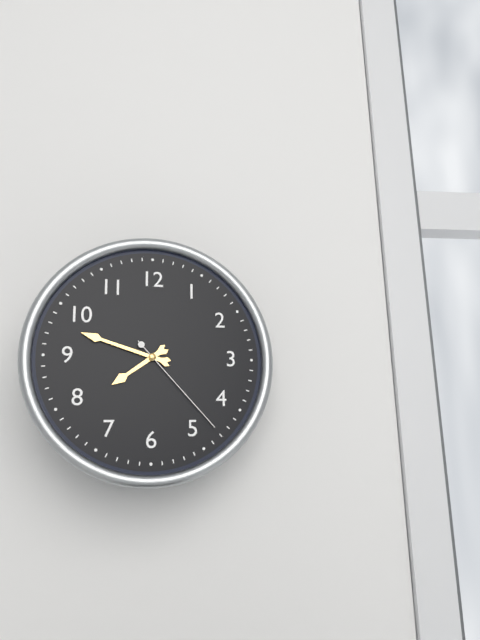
7:48:23
